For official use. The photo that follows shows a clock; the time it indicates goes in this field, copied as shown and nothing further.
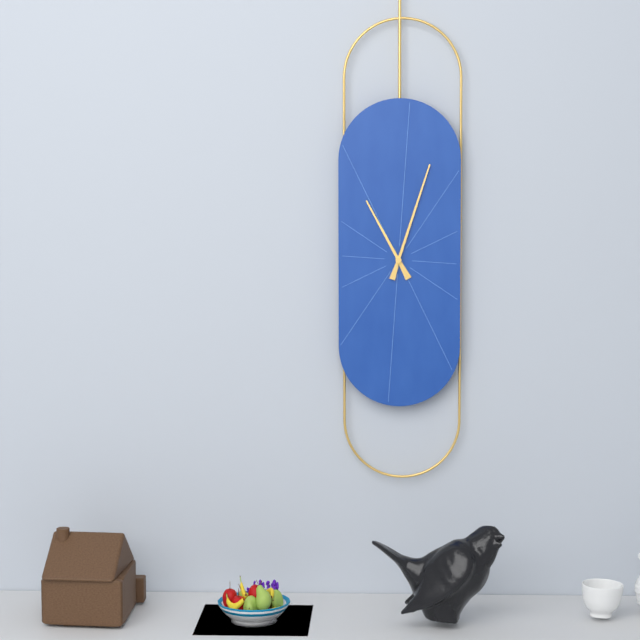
11:03
